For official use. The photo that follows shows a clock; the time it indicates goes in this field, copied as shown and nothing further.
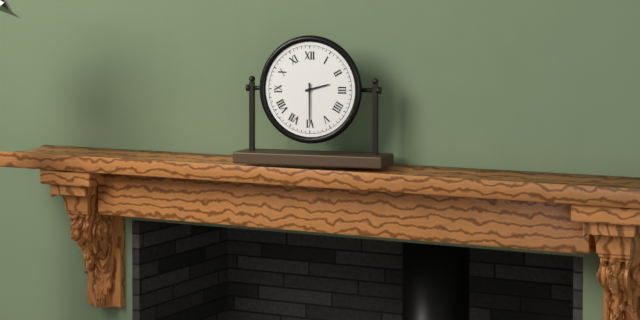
2:30
